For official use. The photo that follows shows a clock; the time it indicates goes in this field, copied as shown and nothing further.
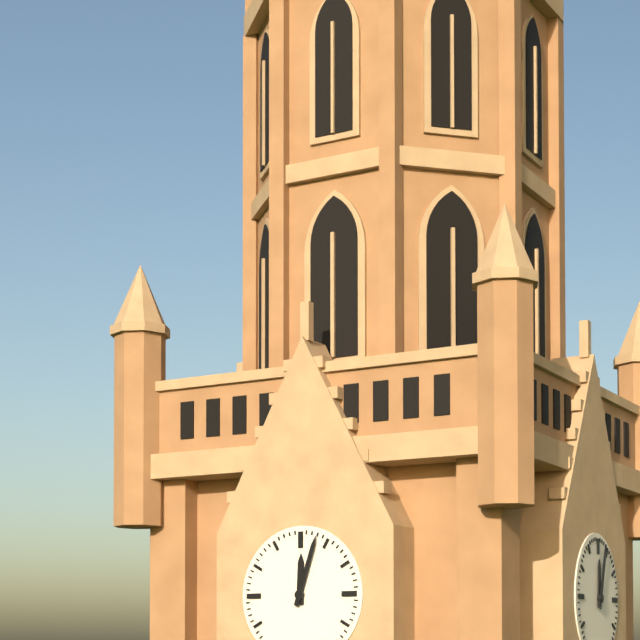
12:03
